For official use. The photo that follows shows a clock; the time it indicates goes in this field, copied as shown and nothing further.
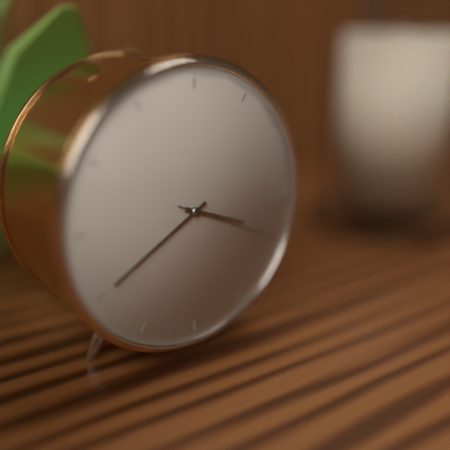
3:40:19
